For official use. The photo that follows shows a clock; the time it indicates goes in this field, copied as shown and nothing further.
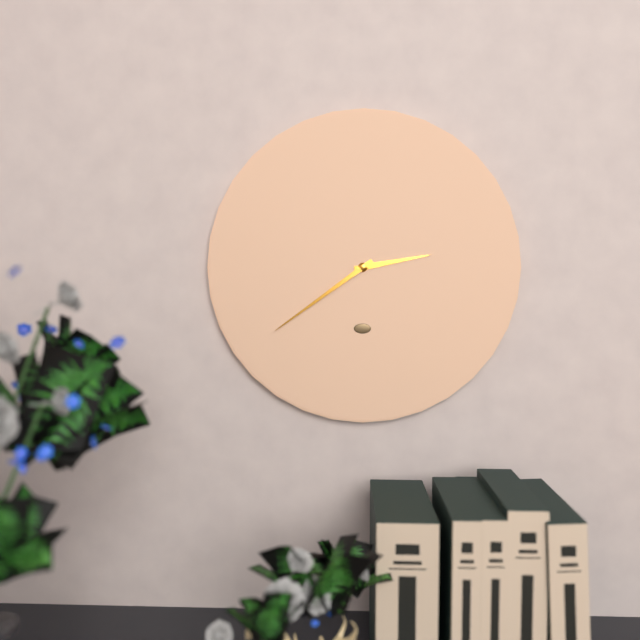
2:39
